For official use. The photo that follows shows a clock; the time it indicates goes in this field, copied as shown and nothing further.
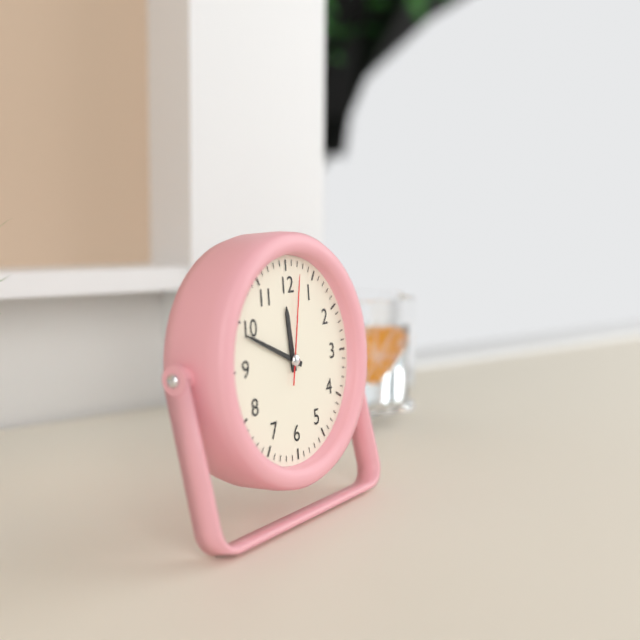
11:49:02
